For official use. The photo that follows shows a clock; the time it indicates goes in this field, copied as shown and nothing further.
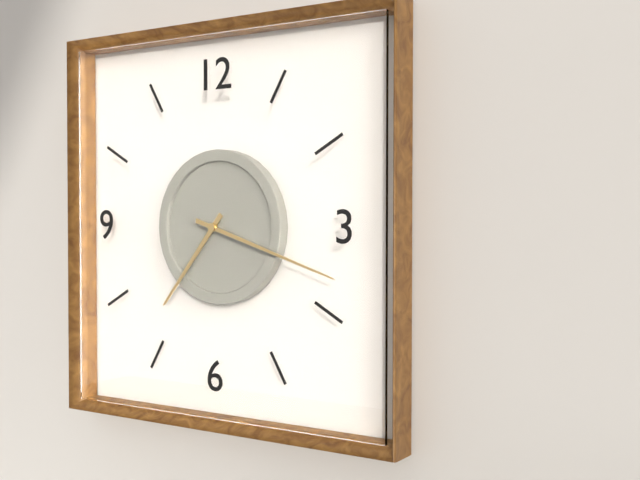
7:18
